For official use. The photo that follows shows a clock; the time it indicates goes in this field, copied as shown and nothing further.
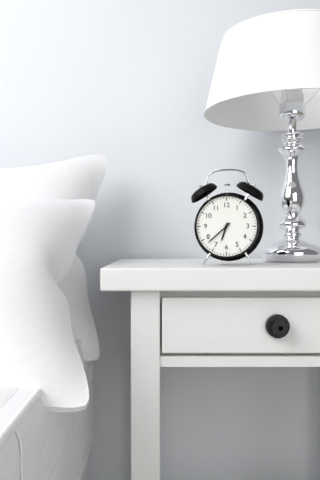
6:38
